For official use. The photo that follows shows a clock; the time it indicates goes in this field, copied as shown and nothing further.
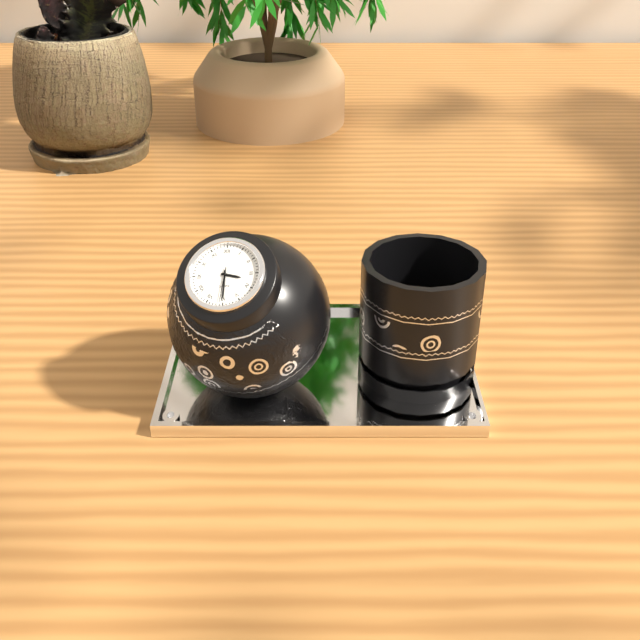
3:30
